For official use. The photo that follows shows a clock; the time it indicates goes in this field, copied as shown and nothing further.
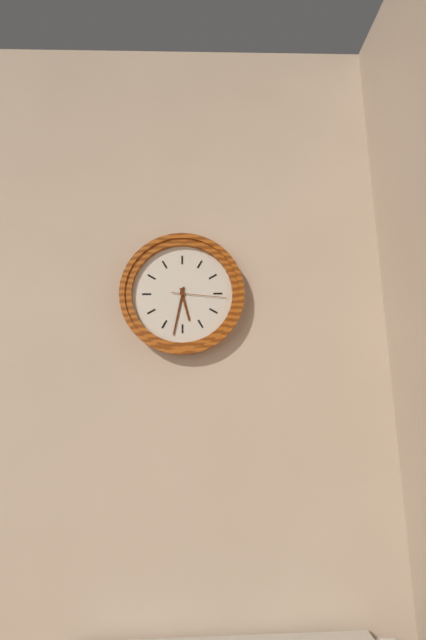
5:32:16
